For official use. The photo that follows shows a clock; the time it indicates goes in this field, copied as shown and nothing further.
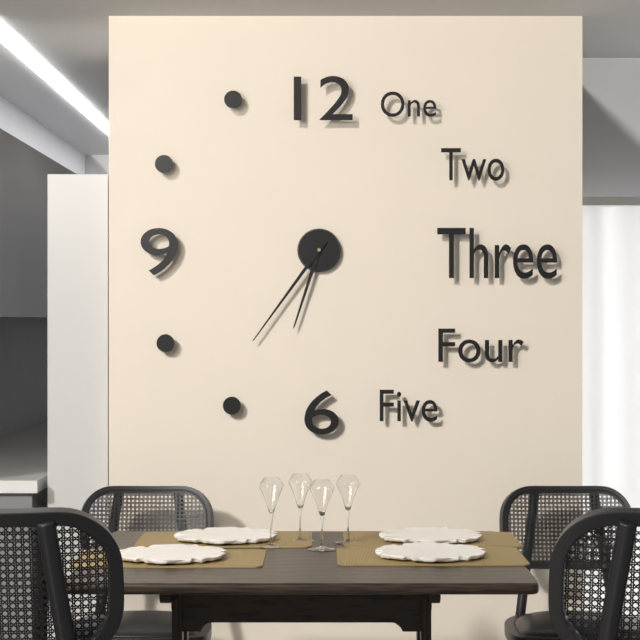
6:36
